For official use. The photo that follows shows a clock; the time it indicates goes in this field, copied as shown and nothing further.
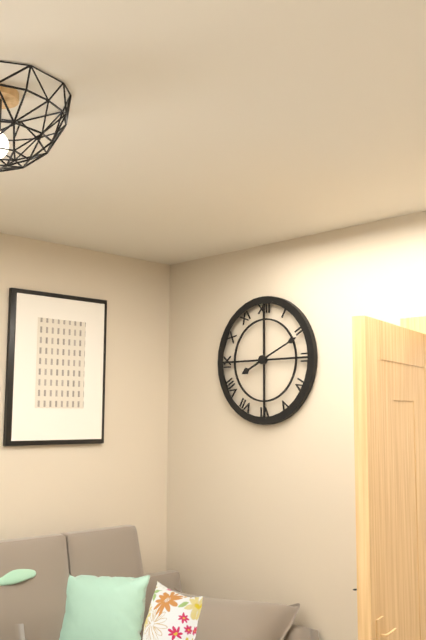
8:11
